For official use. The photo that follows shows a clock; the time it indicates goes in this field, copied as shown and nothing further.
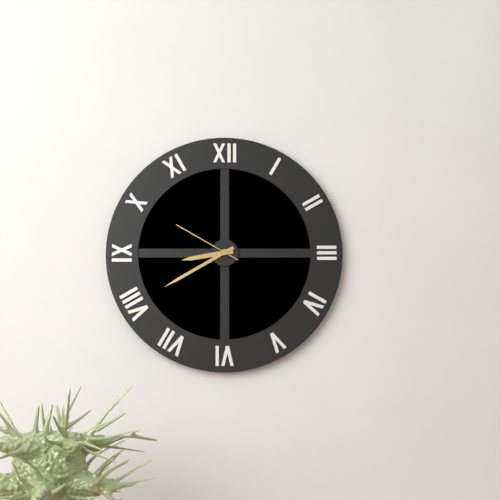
8:40:50
